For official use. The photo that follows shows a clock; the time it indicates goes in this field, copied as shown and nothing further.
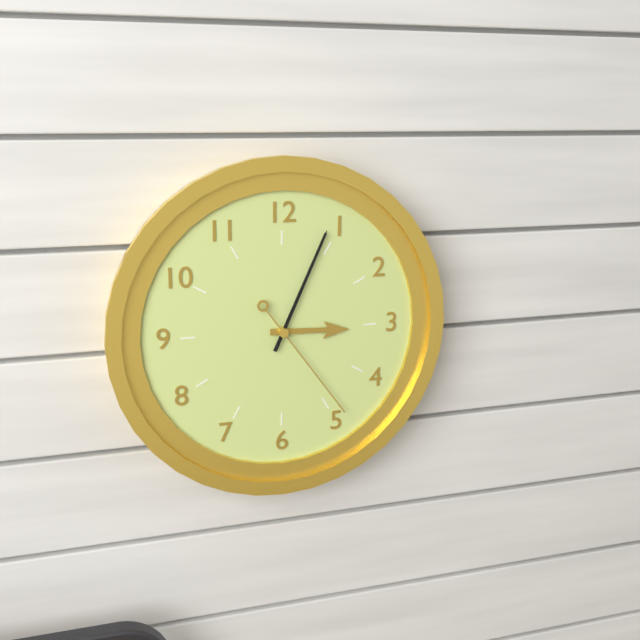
3:04:24
